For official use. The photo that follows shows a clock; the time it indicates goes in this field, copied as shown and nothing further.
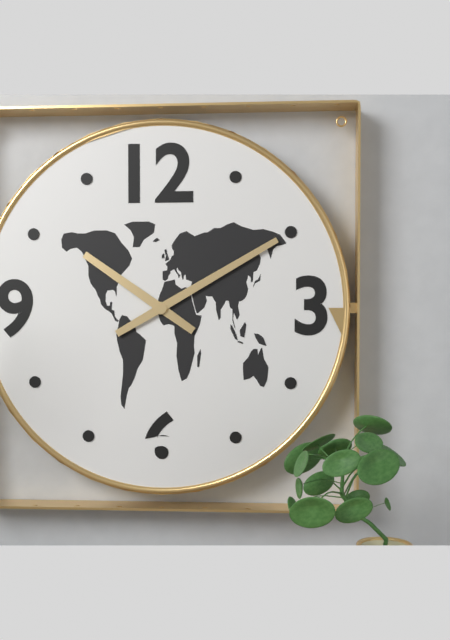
10:10
